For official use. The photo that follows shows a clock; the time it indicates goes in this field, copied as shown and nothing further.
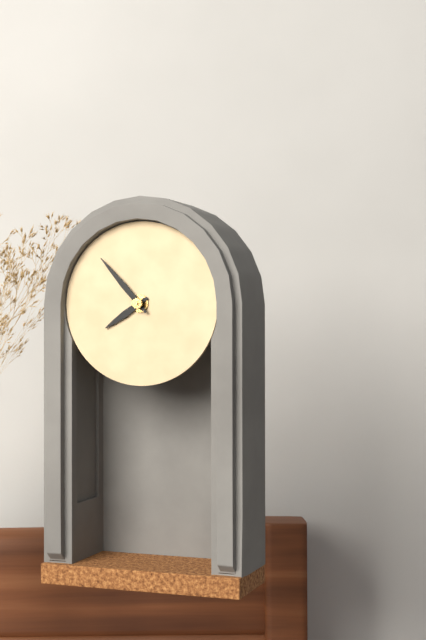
7:53
